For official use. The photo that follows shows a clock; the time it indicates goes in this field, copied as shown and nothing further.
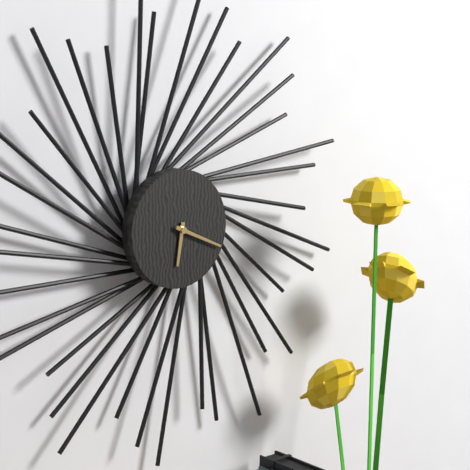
6:19
